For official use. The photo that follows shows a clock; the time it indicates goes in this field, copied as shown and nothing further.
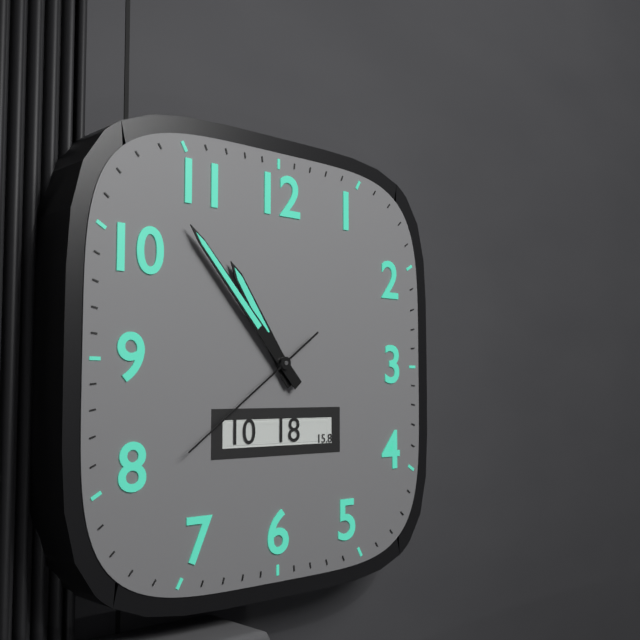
10:53:39
